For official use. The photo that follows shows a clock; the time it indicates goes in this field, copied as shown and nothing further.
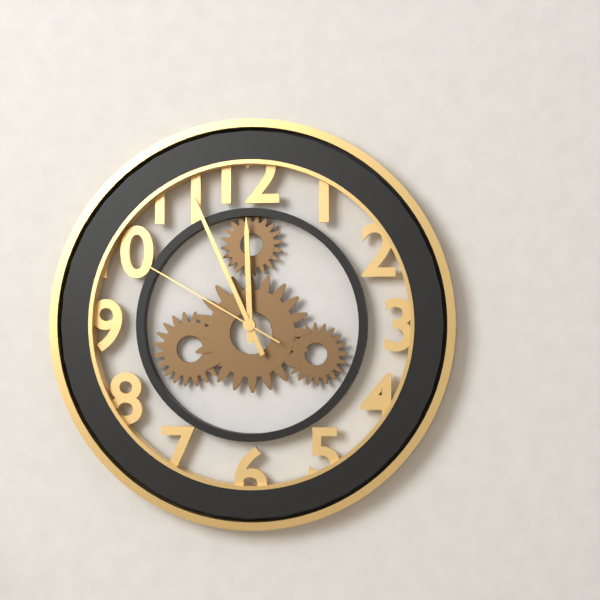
11:56:50
